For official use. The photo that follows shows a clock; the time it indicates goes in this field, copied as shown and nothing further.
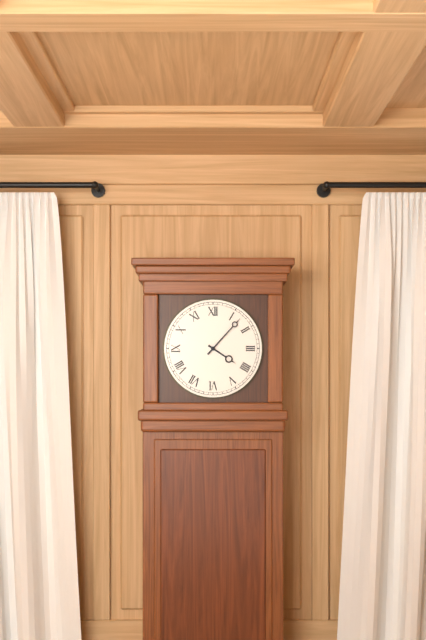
4:07
